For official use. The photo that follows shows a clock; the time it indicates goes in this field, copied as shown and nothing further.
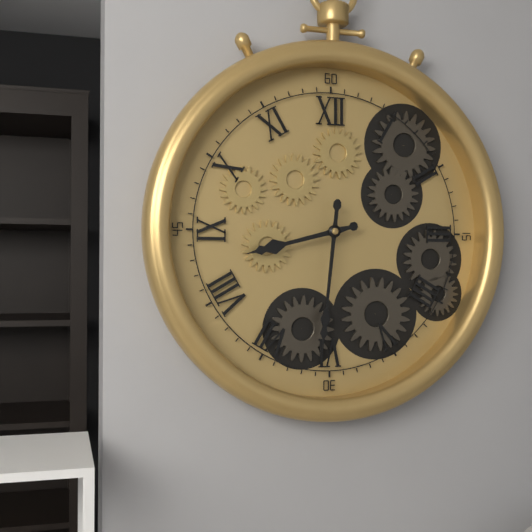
8:31
